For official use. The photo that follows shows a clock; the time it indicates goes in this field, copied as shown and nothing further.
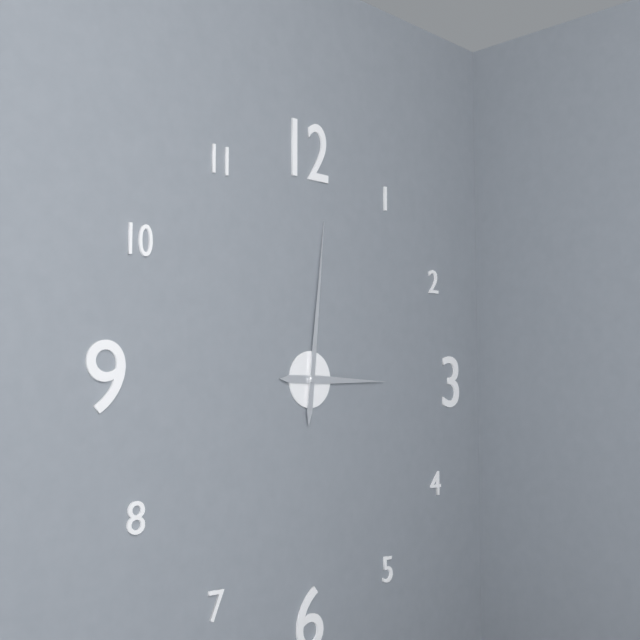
3:01
